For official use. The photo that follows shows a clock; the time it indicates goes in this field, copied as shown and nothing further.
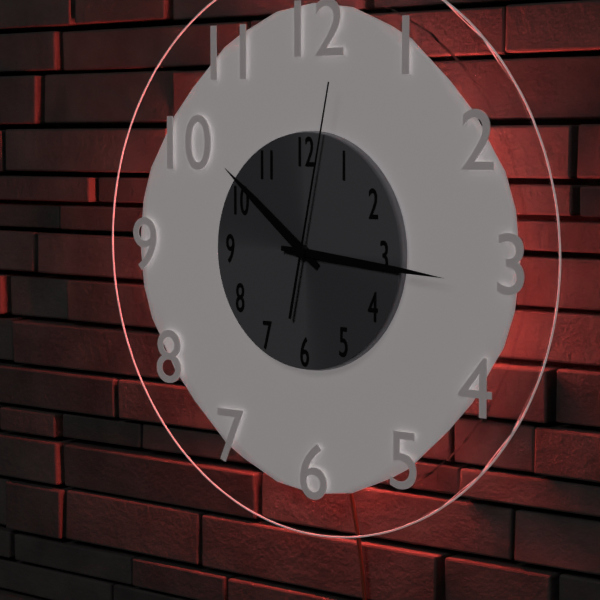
10:16:02
